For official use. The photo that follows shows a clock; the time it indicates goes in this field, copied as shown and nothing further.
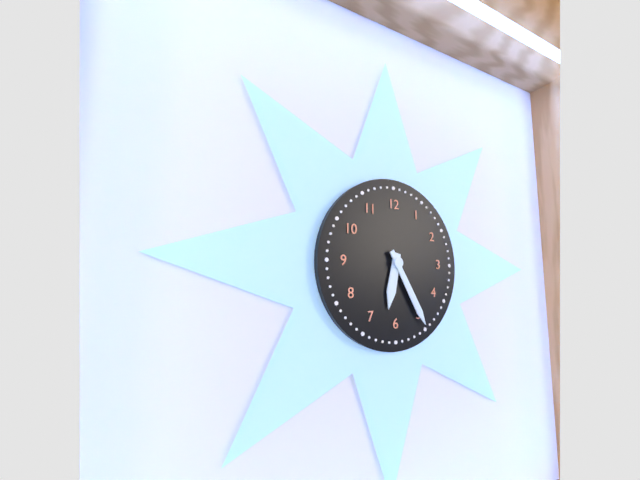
6:25
